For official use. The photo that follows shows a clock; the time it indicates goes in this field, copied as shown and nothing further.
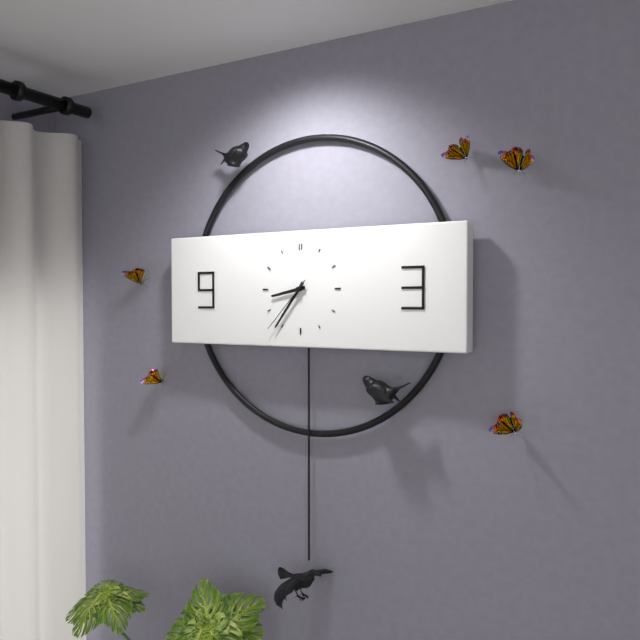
8:36:37
